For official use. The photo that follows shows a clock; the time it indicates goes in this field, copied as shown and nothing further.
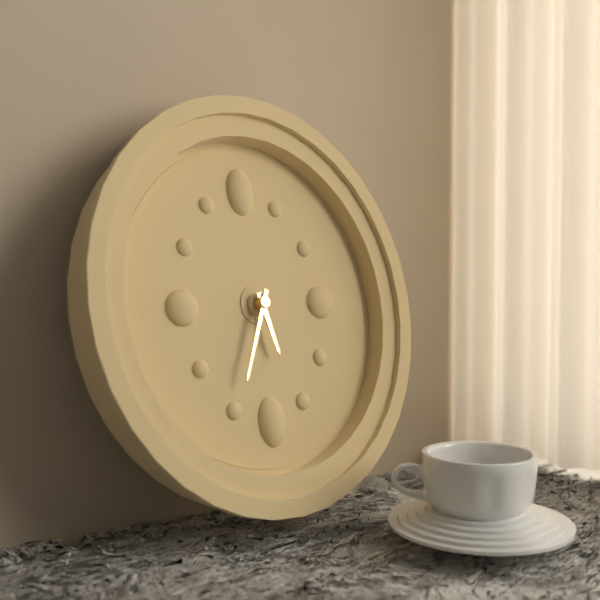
5:34
